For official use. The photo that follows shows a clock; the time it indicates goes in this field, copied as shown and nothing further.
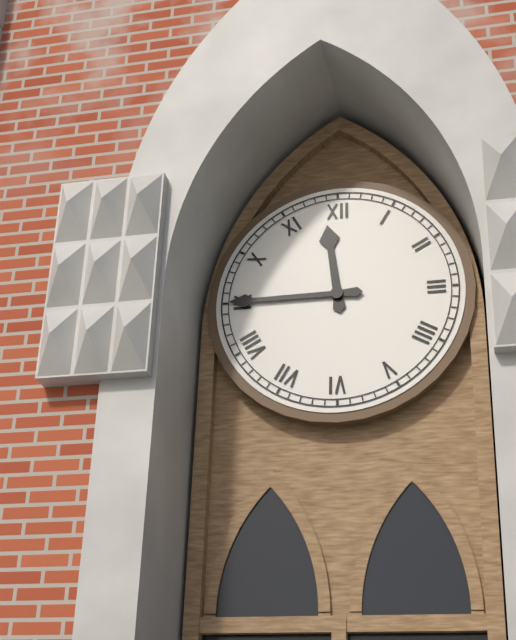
11:45
